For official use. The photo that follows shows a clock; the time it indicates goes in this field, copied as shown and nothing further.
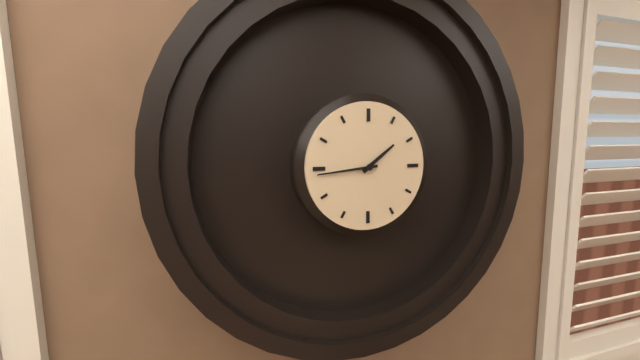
1:44
